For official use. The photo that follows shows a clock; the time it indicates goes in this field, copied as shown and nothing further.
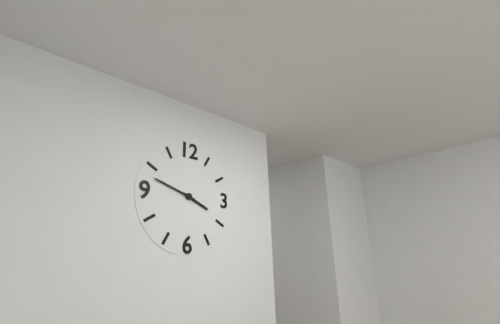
3:48
